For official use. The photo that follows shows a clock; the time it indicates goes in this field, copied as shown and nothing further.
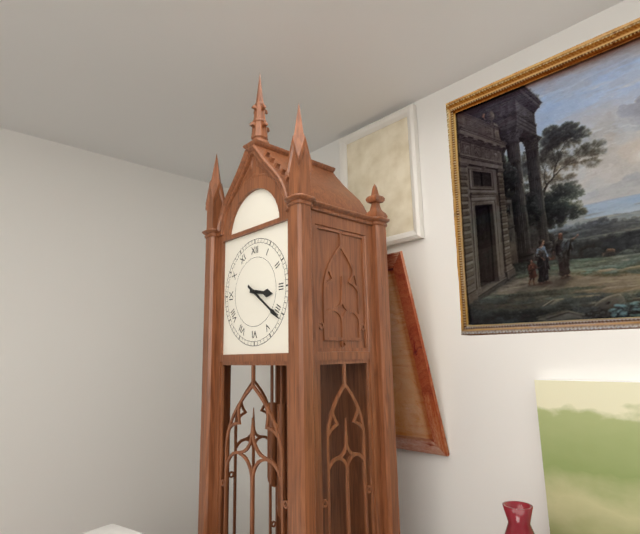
3:21
